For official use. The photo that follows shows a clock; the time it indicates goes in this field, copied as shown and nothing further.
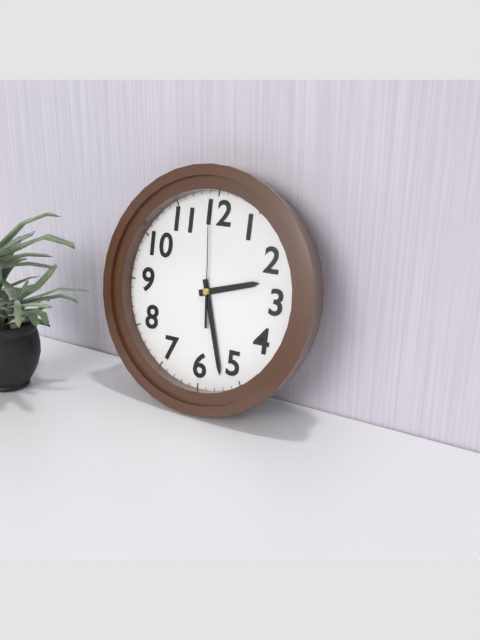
2:27:59
